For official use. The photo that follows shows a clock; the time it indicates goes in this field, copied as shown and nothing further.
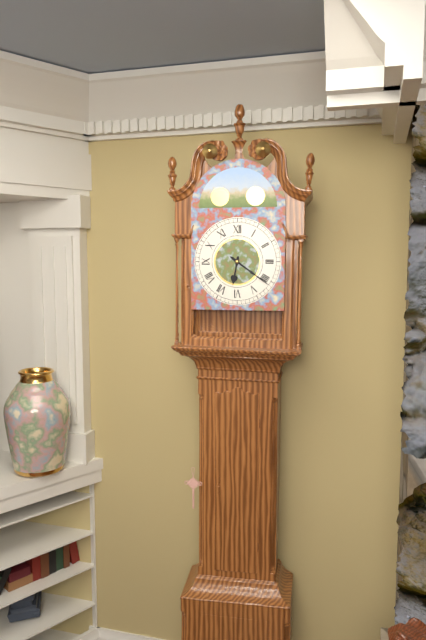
6:21
